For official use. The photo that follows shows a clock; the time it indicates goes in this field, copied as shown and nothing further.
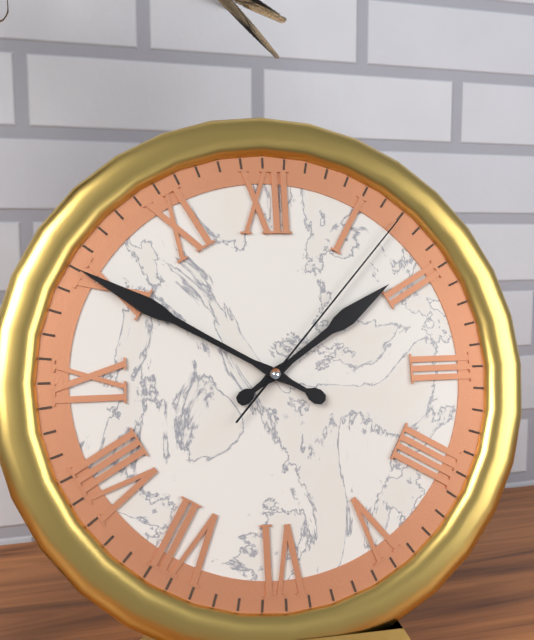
1:50:07
